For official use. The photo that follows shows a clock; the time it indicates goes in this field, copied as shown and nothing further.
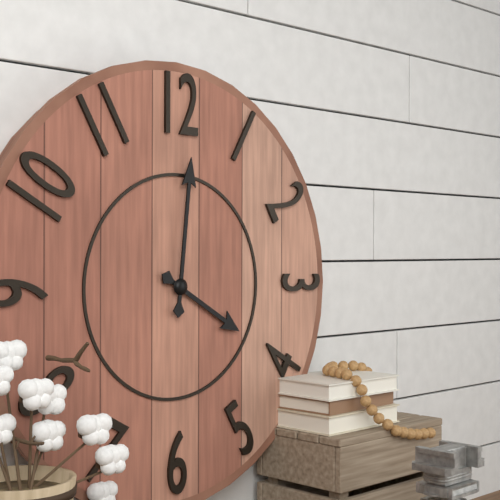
4:01
